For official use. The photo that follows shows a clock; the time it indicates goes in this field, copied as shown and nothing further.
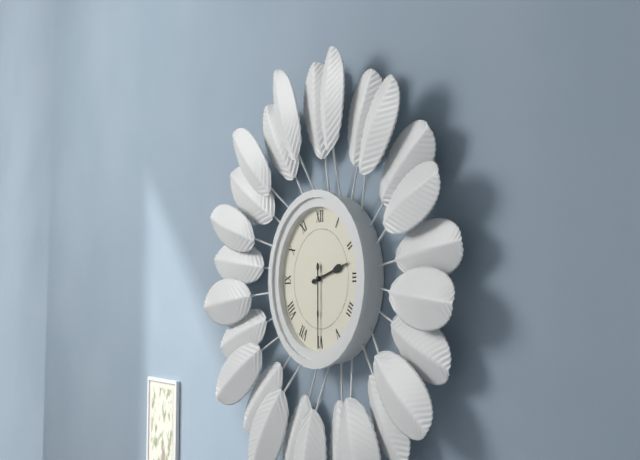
2:30
